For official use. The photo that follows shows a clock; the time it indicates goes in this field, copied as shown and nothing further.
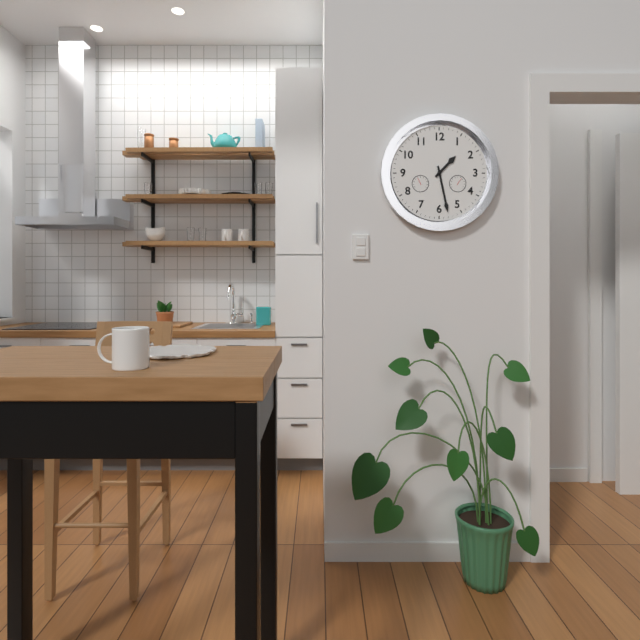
1:28
